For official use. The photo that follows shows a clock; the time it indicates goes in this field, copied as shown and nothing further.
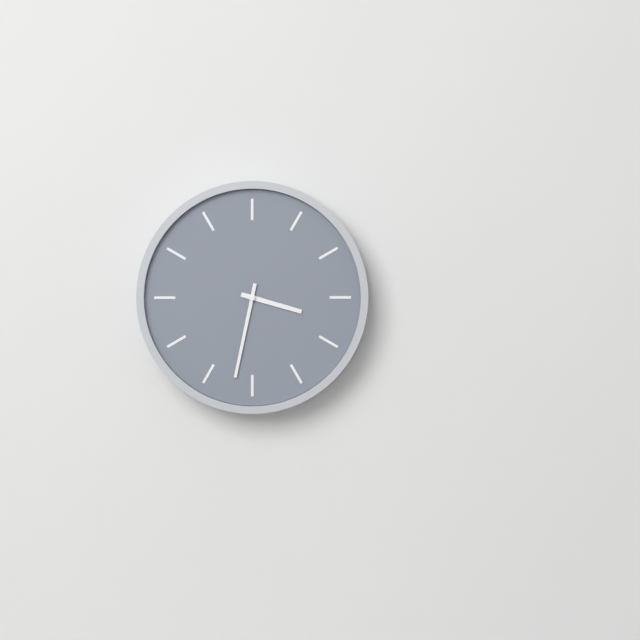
3:32
